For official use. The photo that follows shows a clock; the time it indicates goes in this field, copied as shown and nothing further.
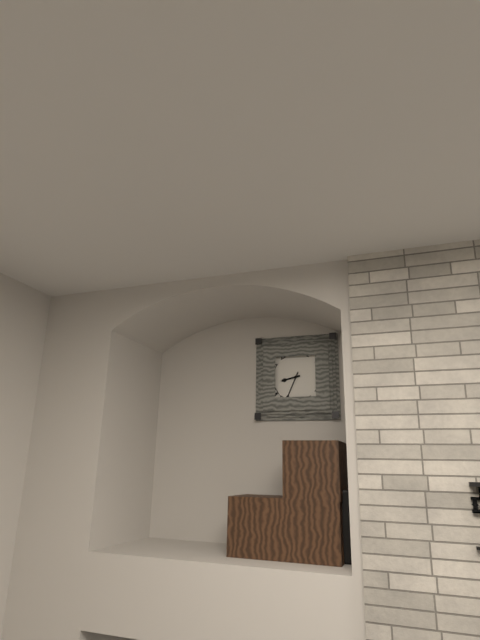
8:34
